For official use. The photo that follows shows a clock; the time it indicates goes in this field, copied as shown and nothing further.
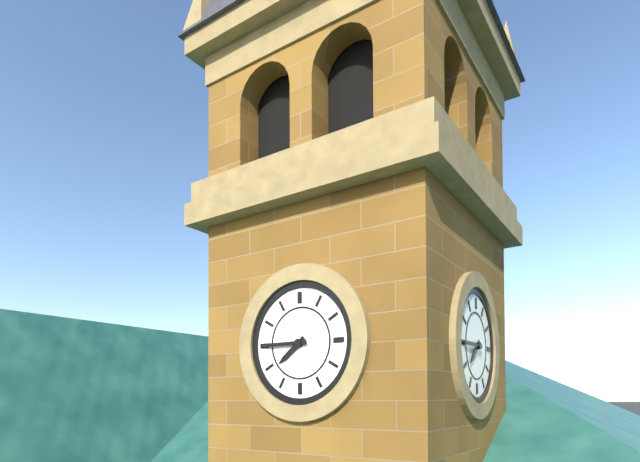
7:45
